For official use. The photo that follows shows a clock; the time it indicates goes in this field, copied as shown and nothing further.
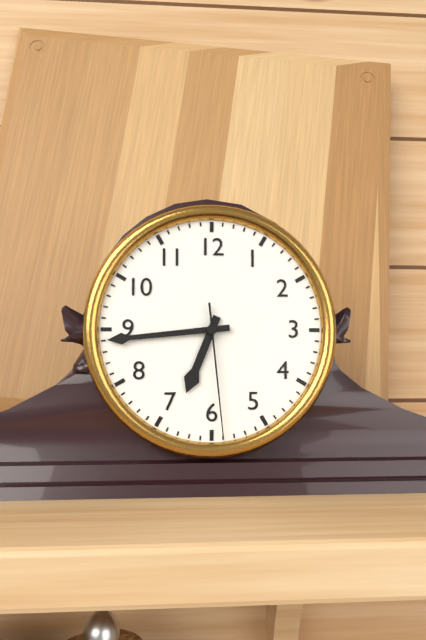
6:44:29
